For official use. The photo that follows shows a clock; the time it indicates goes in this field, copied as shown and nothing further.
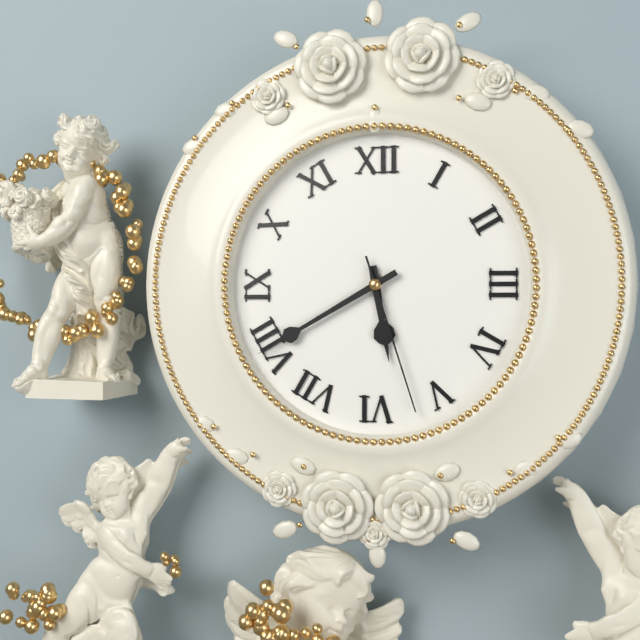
5:40:27
